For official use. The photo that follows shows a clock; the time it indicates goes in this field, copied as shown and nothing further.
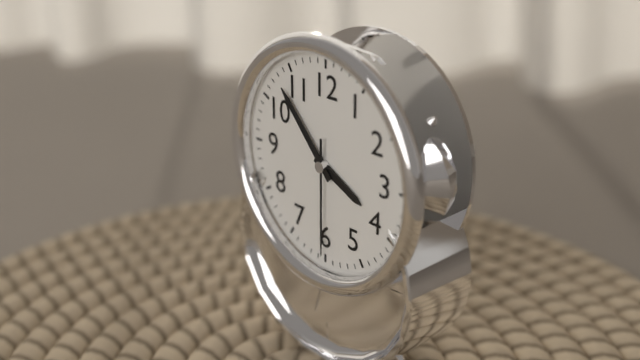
3:53:30
